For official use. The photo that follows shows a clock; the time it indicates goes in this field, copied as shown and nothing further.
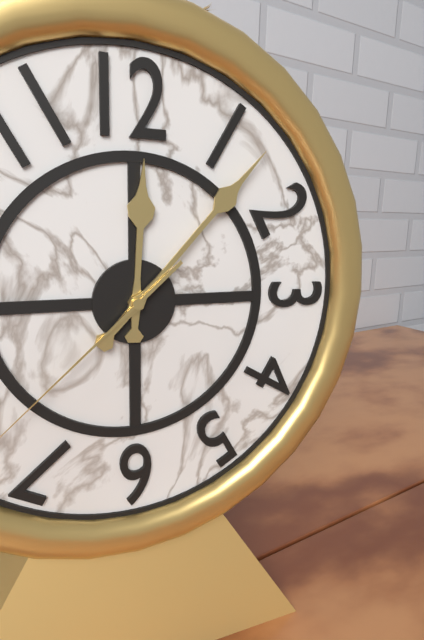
12:07
